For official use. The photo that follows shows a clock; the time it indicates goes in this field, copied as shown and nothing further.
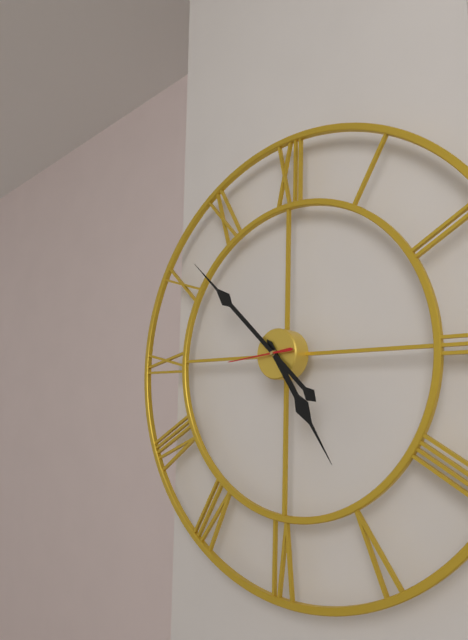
4:52:44
